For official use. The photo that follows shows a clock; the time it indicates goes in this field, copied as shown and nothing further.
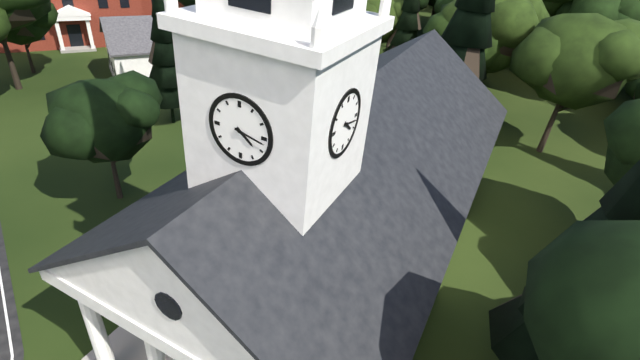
4:17
